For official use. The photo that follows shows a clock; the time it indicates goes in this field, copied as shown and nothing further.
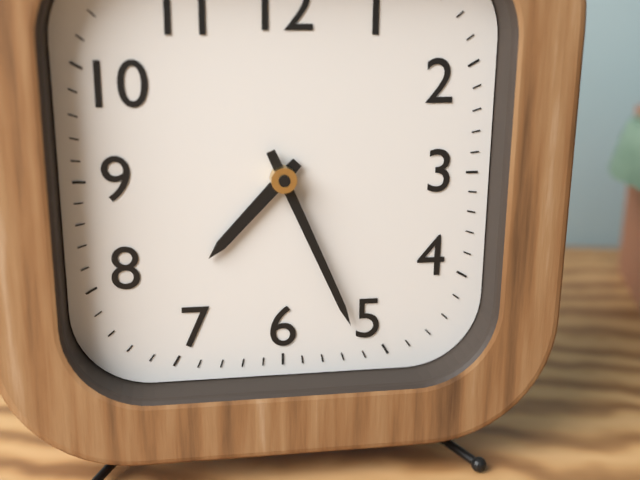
7:26
